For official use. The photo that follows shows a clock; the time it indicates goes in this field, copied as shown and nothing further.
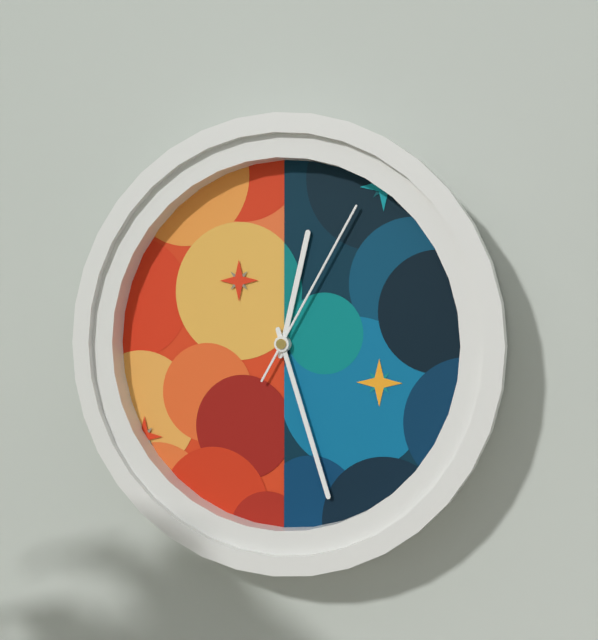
12:27:05
